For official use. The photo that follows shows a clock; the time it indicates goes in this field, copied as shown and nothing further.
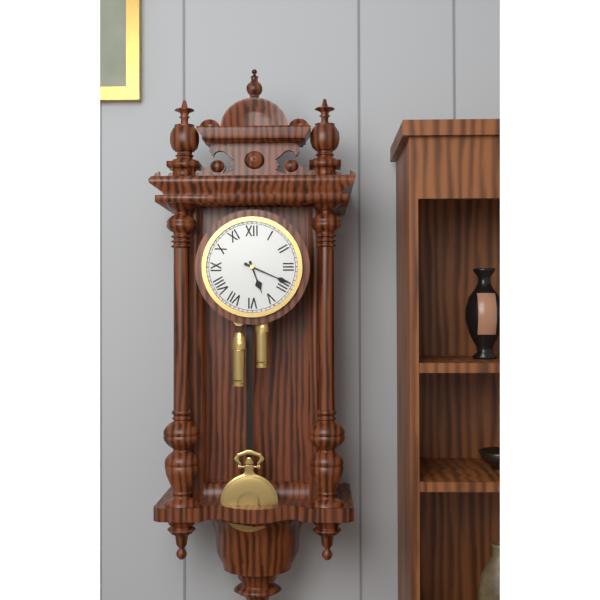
5:19
